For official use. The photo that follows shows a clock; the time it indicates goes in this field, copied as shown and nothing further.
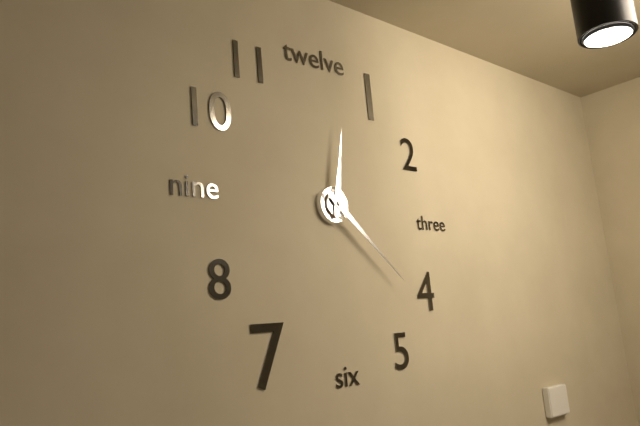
12:22
